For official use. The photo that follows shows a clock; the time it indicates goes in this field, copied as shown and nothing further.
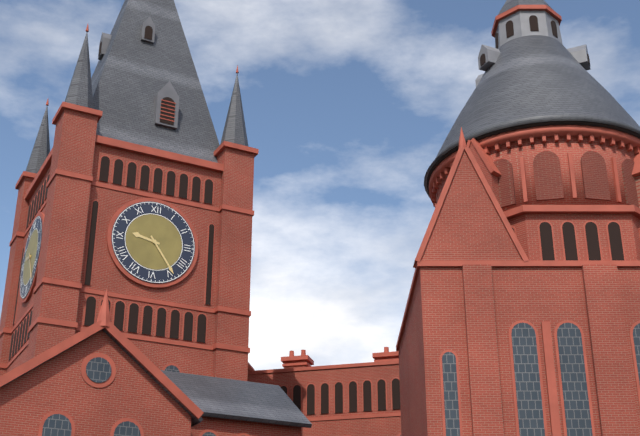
9:24
